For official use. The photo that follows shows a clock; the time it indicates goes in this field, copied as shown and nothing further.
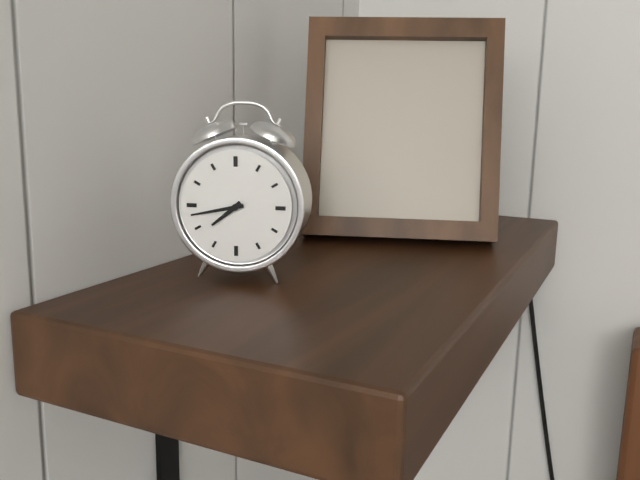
7:43
